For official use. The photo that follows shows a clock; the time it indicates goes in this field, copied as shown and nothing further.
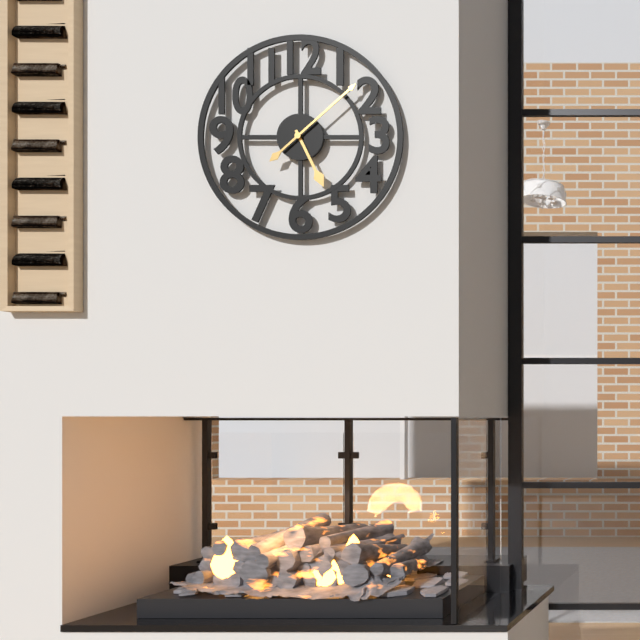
5:08
